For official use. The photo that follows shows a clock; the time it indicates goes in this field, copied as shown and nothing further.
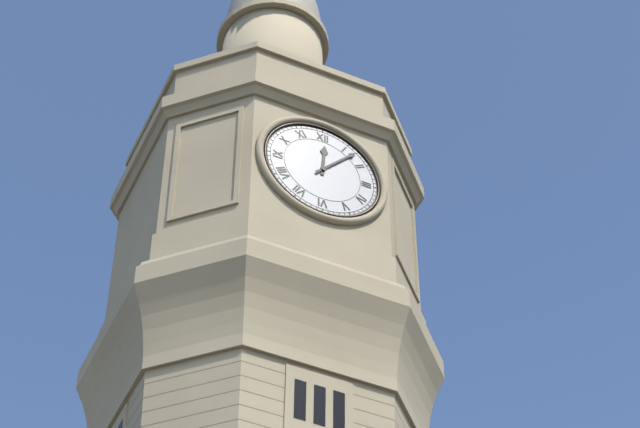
12:07
